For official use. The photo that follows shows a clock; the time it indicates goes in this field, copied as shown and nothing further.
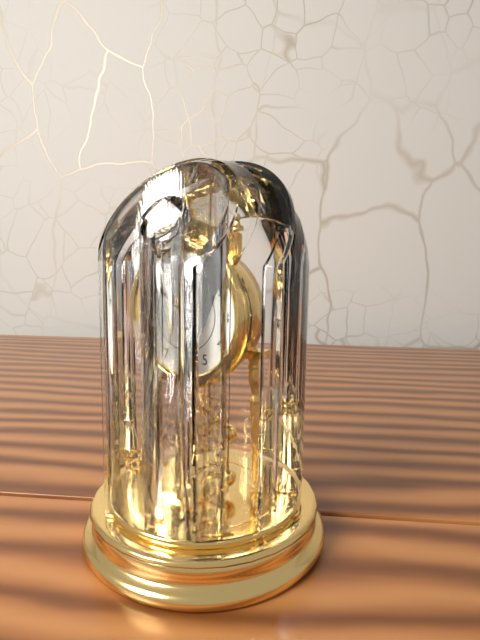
5:51
